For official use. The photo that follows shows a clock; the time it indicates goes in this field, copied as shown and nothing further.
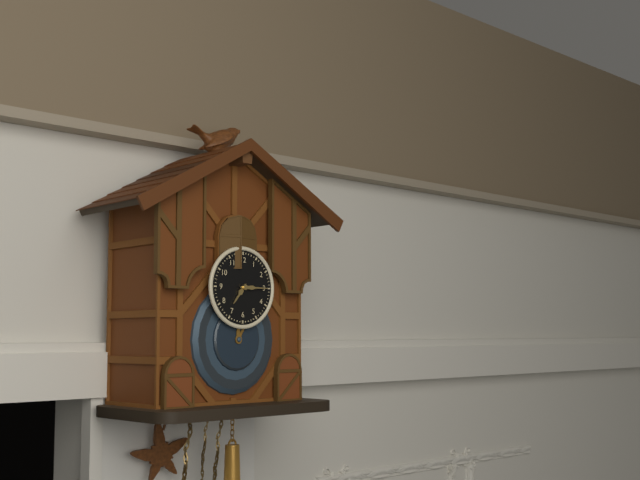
7:15
